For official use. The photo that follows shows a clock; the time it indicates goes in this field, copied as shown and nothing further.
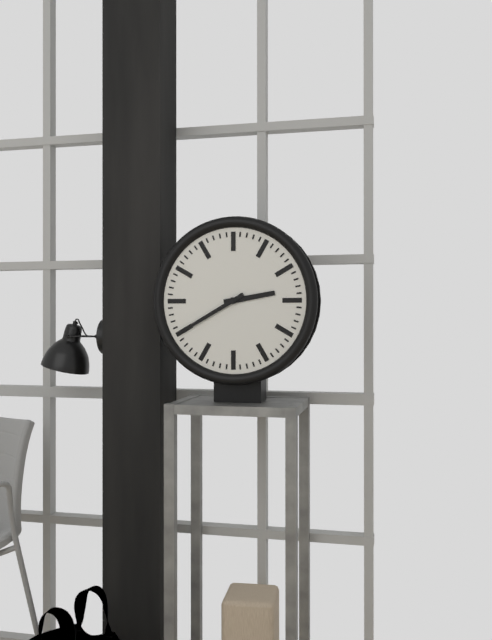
2:40
